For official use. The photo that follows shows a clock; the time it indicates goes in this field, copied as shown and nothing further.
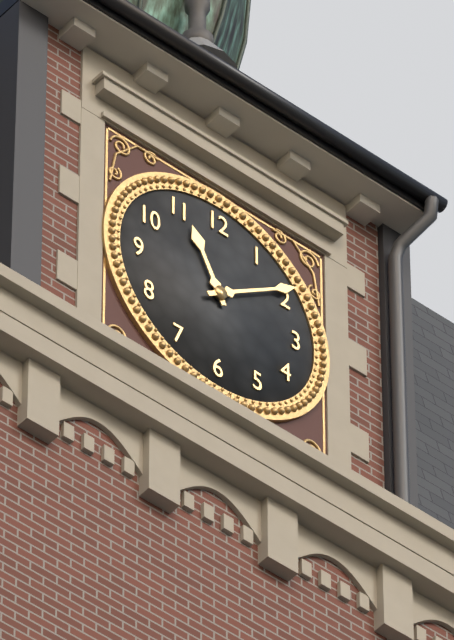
11:09
